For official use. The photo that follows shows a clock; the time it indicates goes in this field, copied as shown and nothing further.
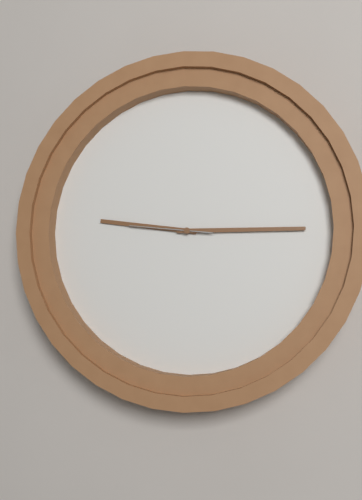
9:15:46
